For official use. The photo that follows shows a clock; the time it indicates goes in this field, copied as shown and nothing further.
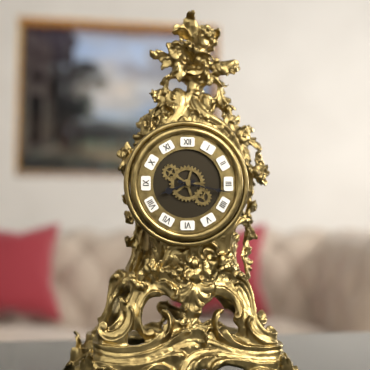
8:17
